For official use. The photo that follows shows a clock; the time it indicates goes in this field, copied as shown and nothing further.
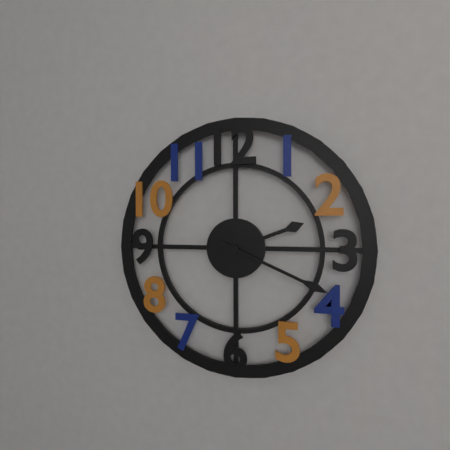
2:19
